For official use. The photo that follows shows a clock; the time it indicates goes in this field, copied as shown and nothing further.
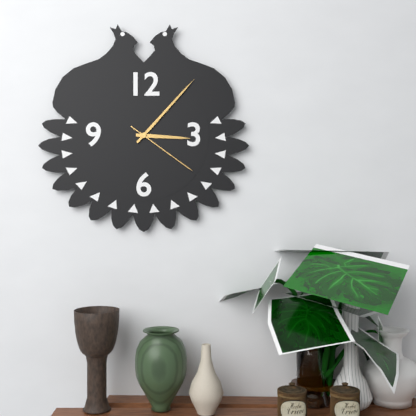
3:07:21
